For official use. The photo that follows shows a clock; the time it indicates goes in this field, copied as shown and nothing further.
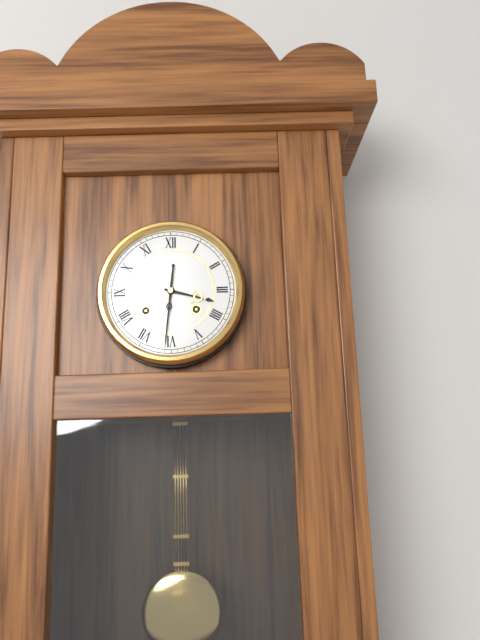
3:31
